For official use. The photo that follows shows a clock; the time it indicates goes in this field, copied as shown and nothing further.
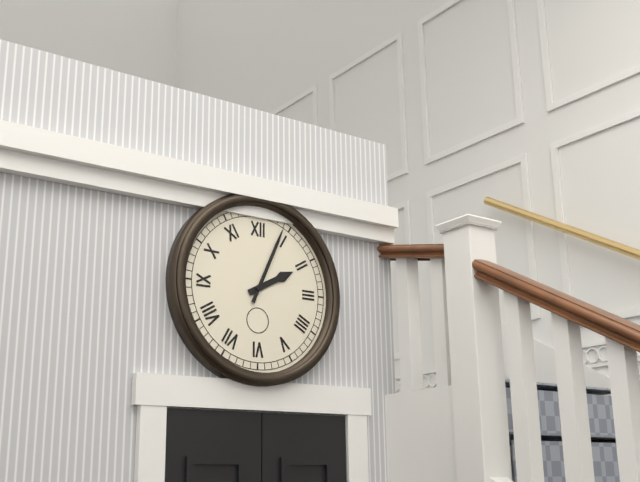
2:04
